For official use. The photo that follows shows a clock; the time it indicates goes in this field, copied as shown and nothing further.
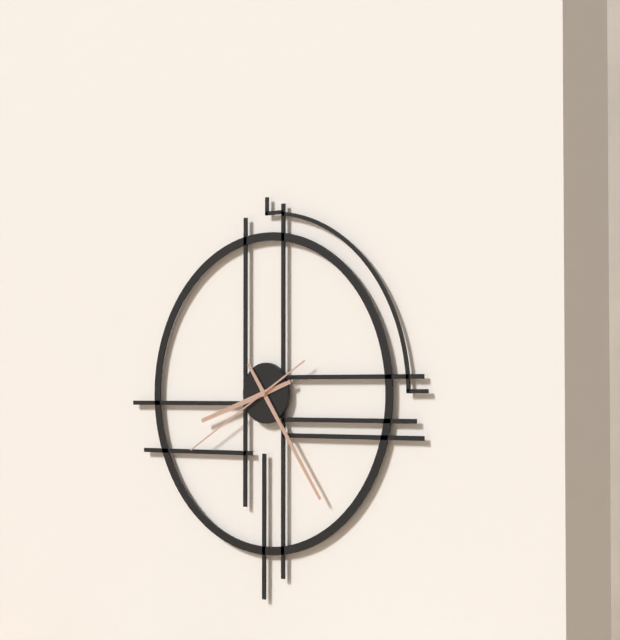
8:24:40
